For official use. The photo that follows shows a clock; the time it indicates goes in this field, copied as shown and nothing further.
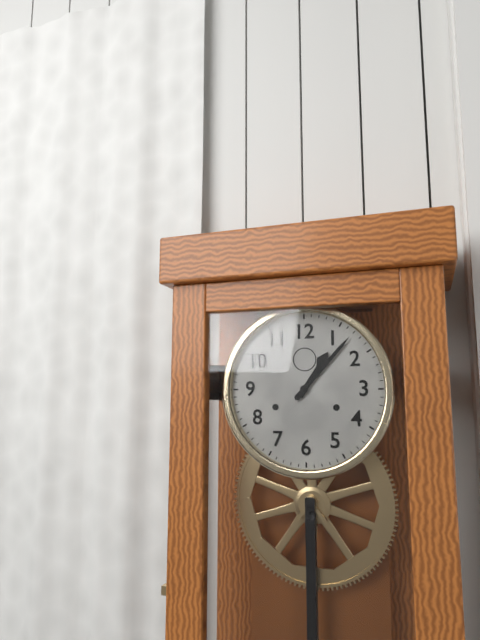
1:07
